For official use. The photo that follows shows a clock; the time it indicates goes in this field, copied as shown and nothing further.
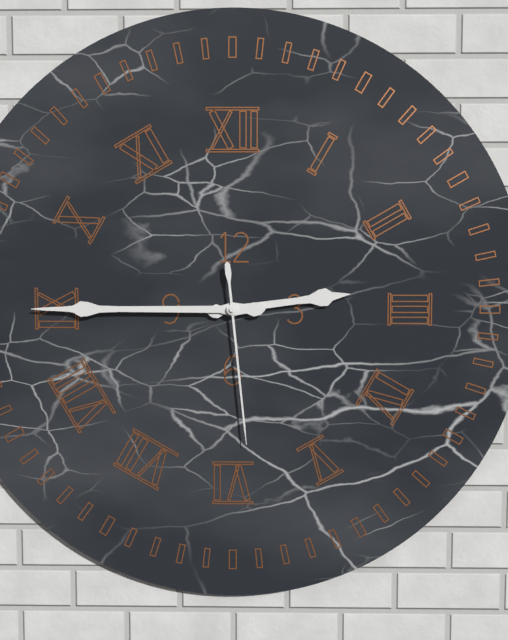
2:45:29
